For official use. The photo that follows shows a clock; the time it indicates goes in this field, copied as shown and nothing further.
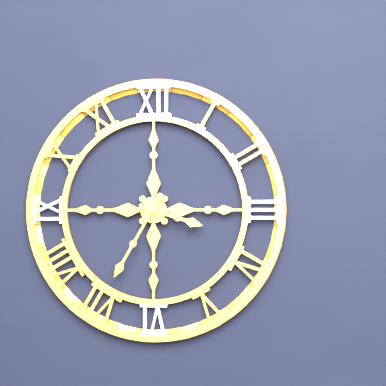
3:35
